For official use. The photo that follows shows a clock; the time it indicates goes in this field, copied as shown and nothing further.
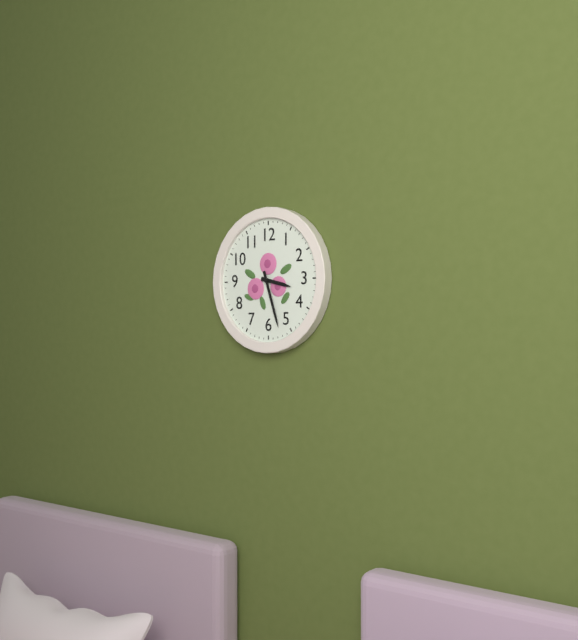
3:27
